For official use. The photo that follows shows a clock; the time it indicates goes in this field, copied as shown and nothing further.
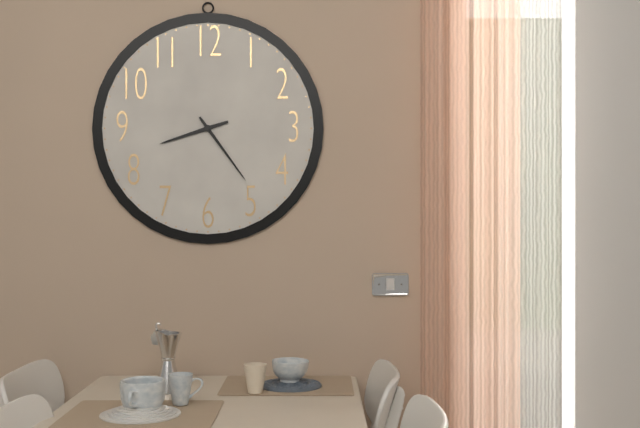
8:24
